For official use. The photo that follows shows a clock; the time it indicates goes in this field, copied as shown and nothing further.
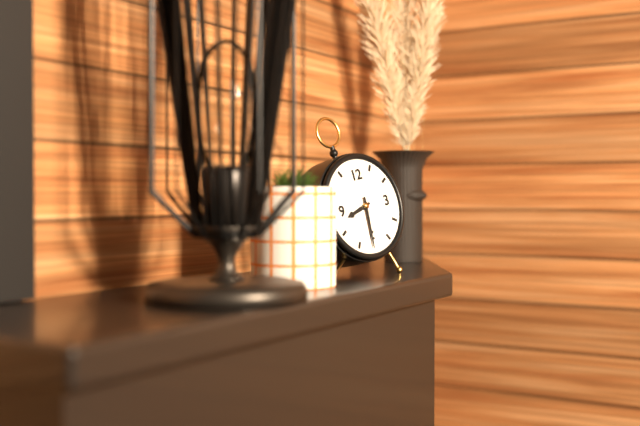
8:31
